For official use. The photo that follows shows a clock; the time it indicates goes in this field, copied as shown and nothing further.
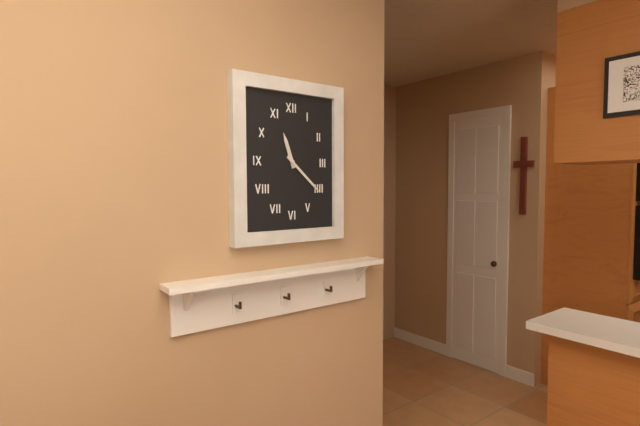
11:22
